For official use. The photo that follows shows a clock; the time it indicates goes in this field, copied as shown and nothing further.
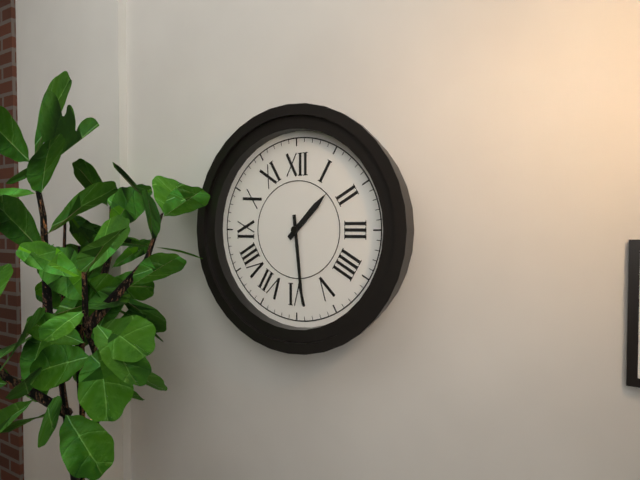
1:29
